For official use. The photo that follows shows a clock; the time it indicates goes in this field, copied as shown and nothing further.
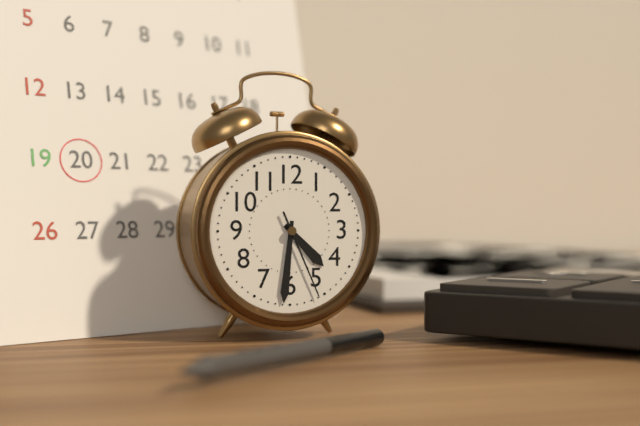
4:31:26
